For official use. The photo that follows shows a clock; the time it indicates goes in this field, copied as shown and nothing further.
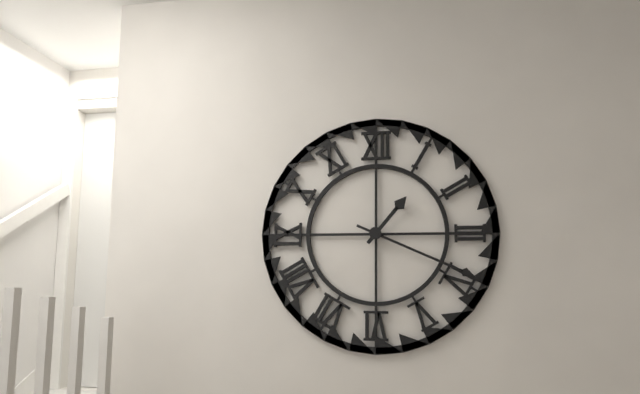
1:19
